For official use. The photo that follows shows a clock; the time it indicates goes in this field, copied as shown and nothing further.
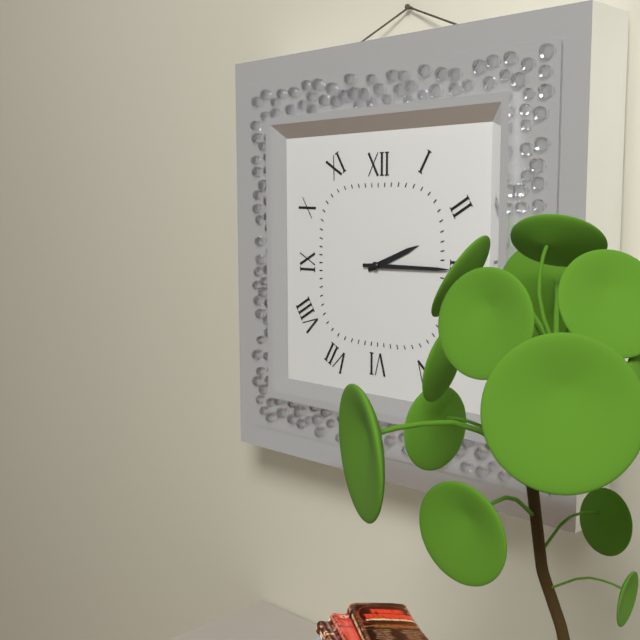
2:15
